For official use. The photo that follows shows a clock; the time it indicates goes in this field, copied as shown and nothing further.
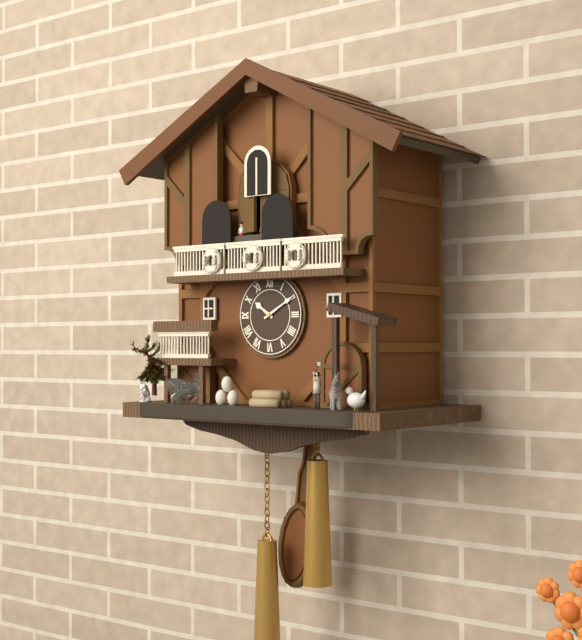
10:10
